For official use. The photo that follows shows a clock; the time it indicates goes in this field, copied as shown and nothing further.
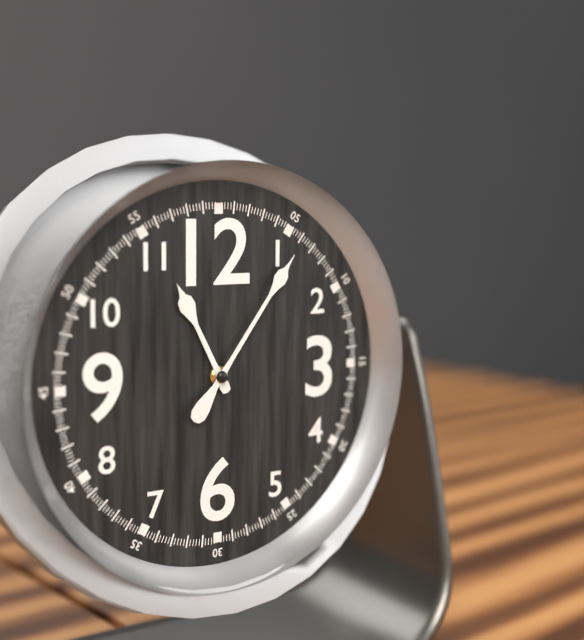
11:06
